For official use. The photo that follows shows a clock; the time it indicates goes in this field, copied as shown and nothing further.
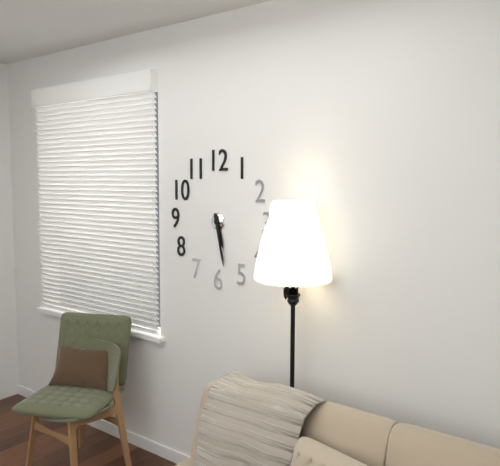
5:28
